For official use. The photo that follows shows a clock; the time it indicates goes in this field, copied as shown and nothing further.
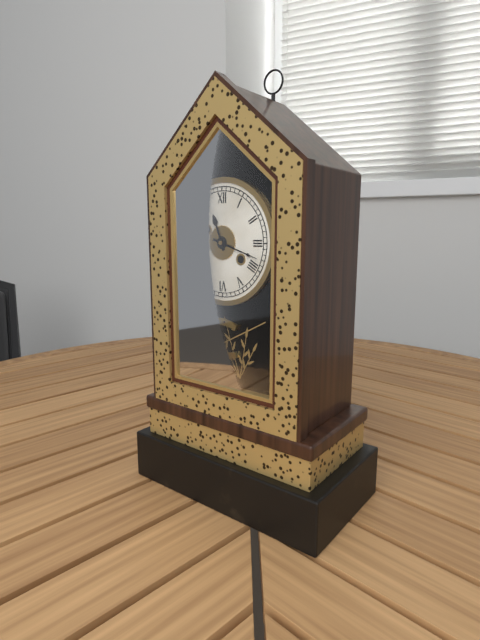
11:18
